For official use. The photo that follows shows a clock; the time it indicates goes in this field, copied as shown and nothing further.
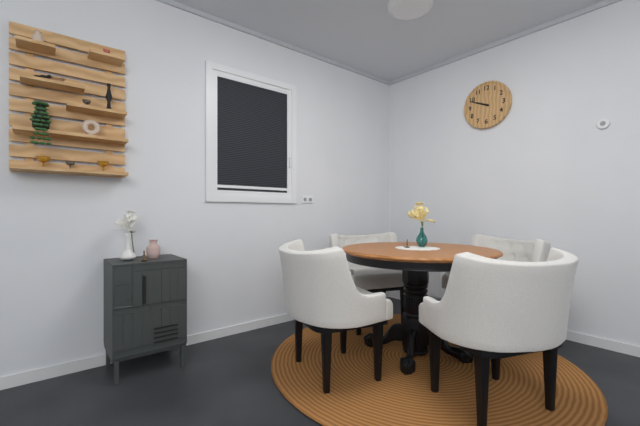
9:49
